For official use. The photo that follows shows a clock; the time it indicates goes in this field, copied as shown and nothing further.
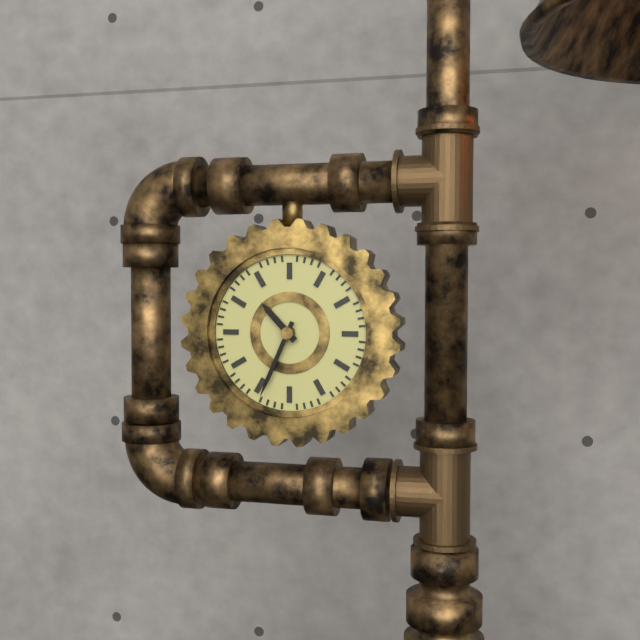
10:34
